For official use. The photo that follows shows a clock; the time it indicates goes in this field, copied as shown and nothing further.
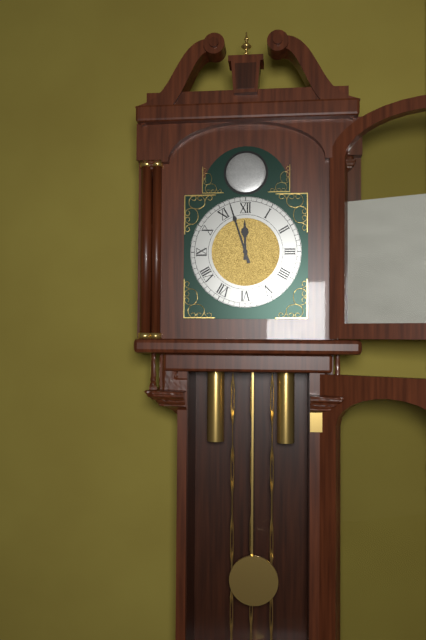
11:57
